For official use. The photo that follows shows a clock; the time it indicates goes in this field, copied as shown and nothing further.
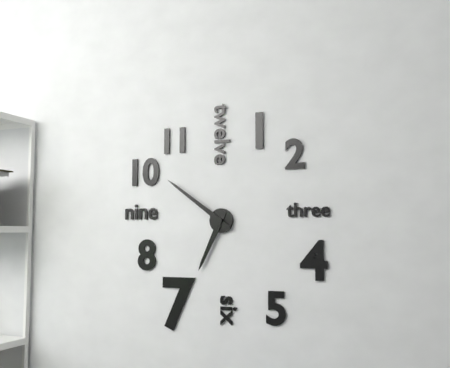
6:51
